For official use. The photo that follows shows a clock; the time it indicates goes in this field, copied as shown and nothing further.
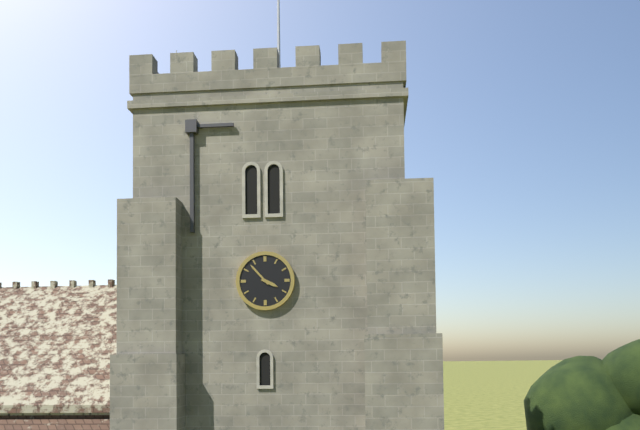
3:53
